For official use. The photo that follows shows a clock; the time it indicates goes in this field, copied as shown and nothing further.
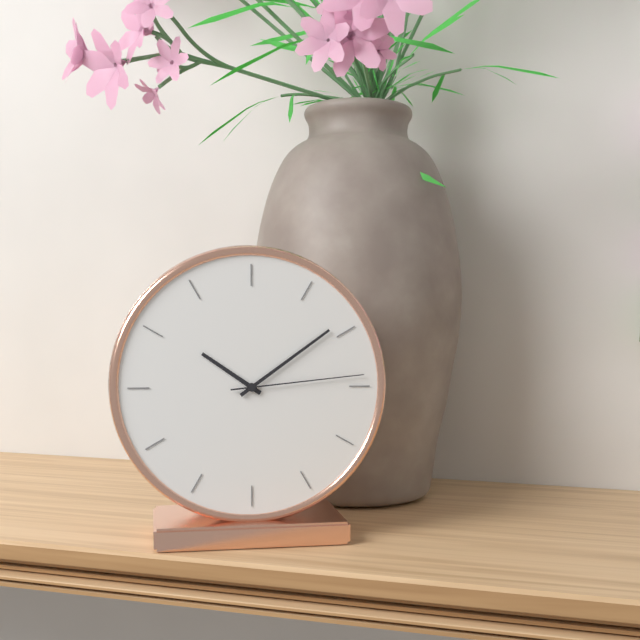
10:09:14
